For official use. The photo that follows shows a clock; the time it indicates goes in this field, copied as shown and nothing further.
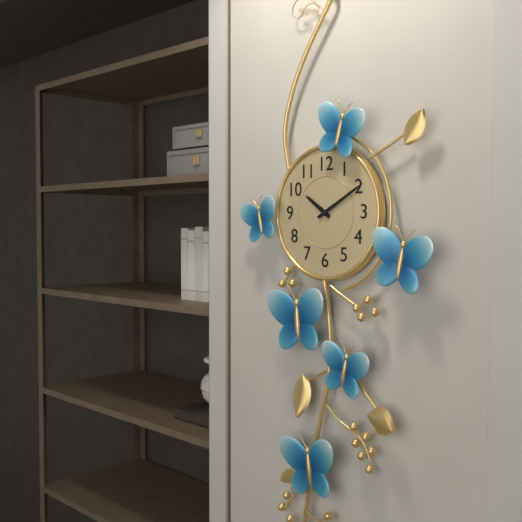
10:10
